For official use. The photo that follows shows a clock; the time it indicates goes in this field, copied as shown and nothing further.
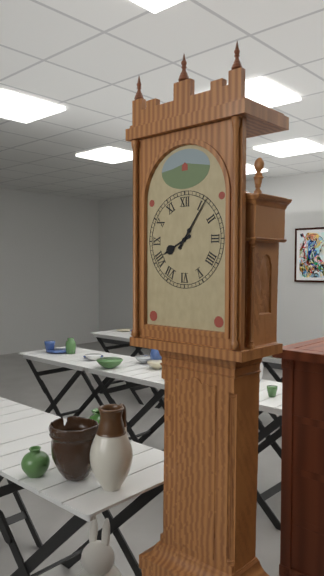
8:06
